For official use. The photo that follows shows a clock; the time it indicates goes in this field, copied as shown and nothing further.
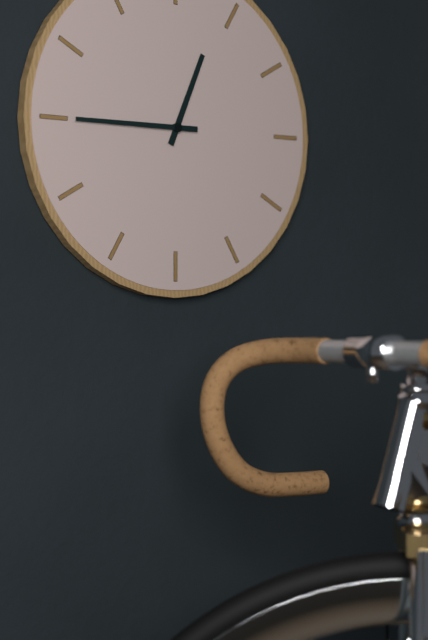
12:45
